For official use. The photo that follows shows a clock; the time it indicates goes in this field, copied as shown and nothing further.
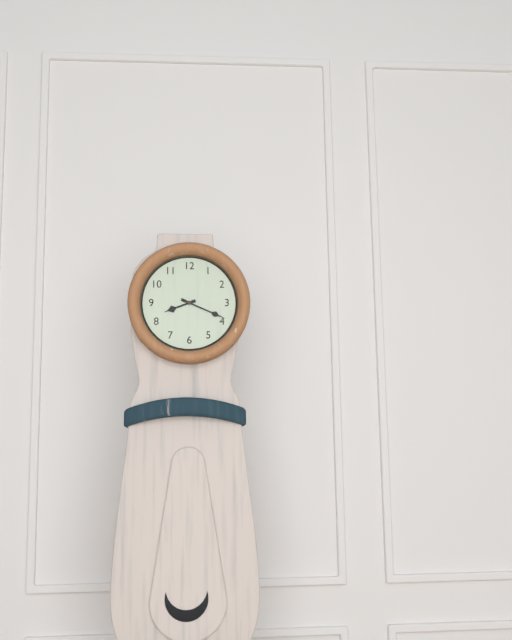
8:19
